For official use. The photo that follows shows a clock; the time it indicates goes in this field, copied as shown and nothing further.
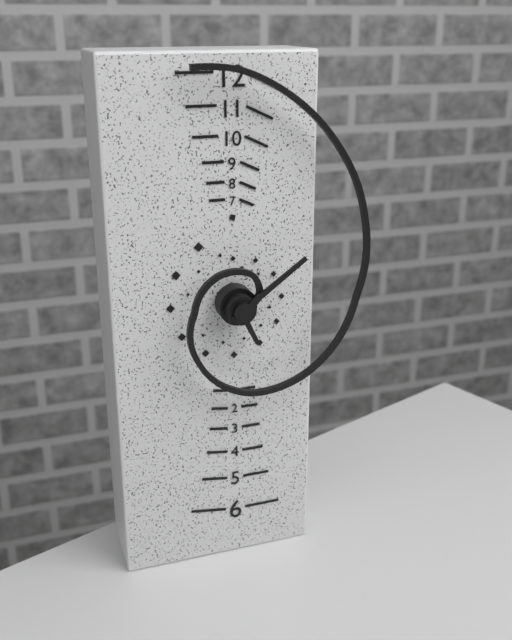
5:09
